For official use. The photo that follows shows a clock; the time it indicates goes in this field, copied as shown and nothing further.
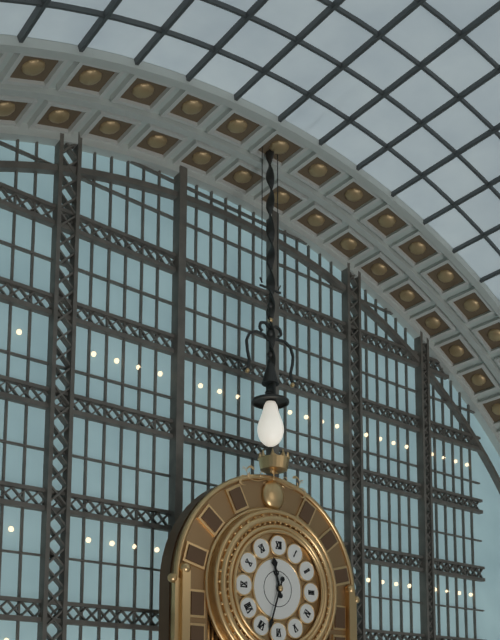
11:33
